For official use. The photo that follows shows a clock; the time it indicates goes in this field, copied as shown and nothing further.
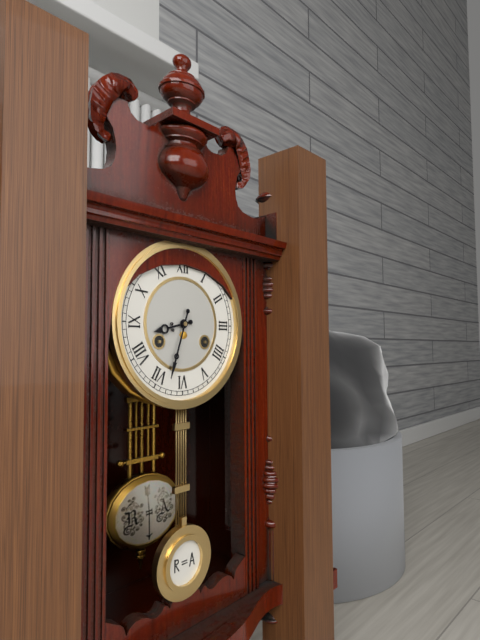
8:33
